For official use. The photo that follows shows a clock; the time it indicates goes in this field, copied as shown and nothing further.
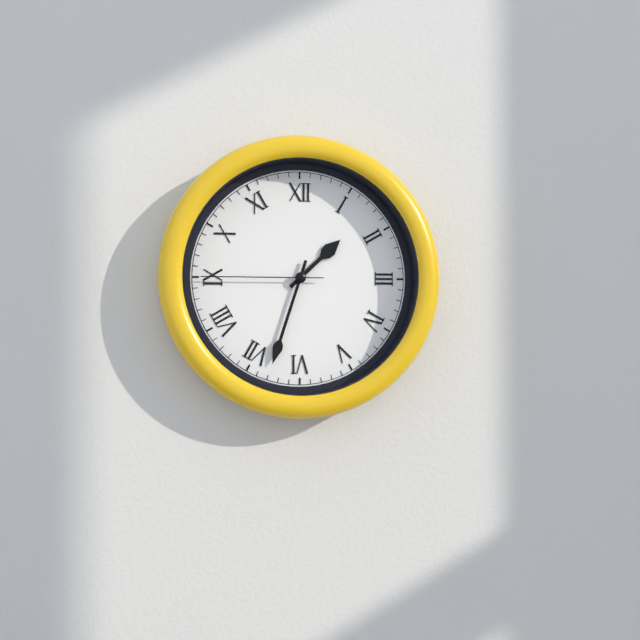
1:33:45
